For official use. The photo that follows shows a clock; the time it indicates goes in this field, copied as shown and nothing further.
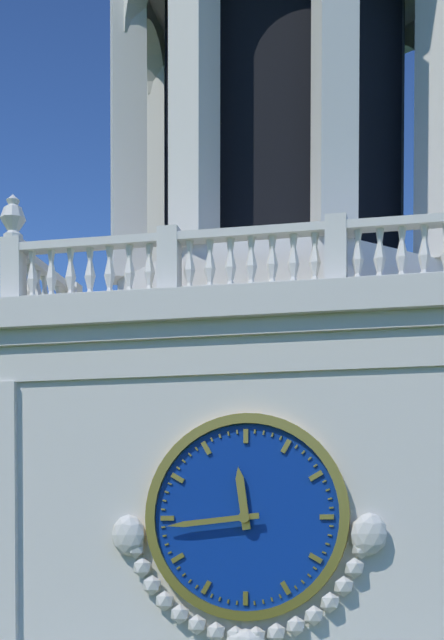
11:44
